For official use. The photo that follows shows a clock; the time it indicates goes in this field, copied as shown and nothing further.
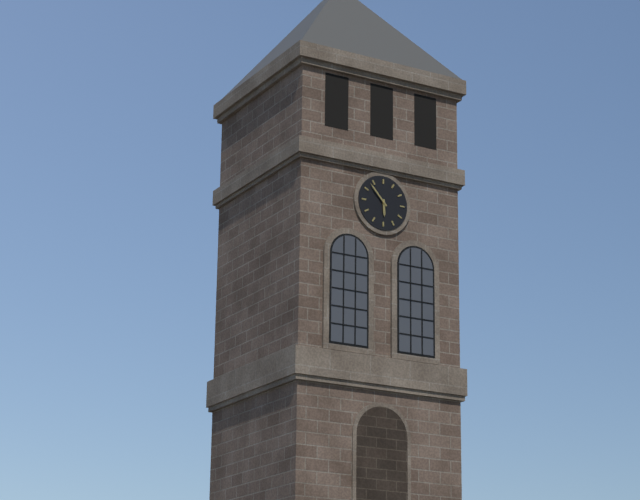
5:53
